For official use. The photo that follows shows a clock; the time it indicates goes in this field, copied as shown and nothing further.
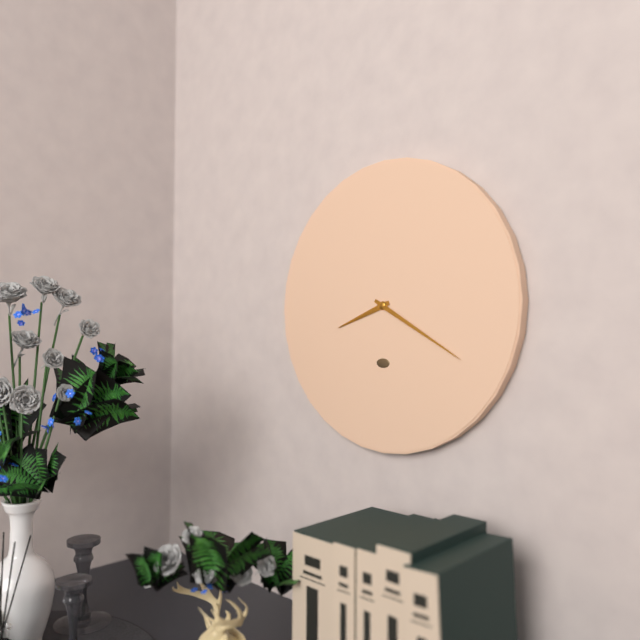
8:20
